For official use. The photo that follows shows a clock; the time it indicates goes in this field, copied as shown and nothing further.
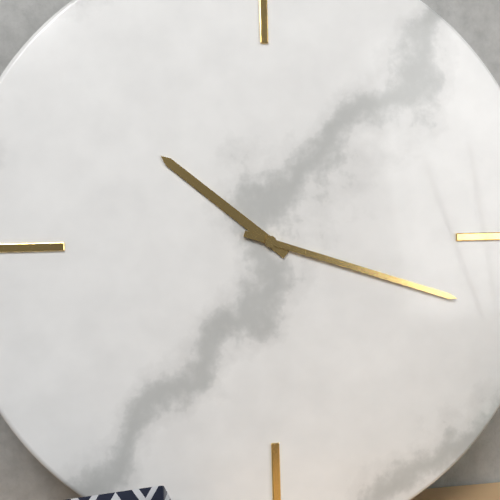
10:18
